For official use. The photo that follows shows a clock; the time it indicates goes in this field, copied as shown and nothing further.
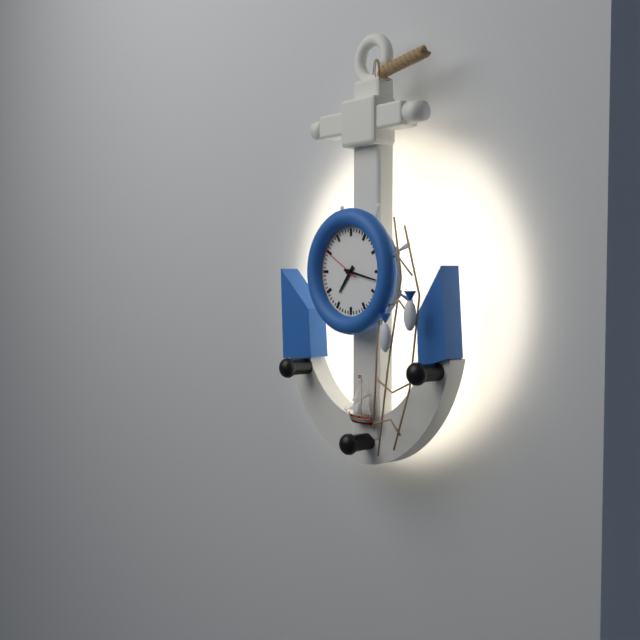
7:17
